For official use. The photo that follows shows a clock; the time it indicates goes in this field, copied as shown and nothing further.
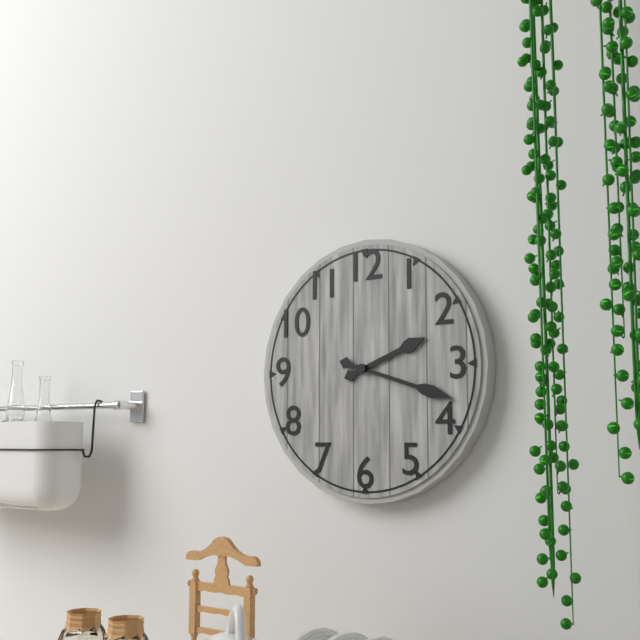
2:18
